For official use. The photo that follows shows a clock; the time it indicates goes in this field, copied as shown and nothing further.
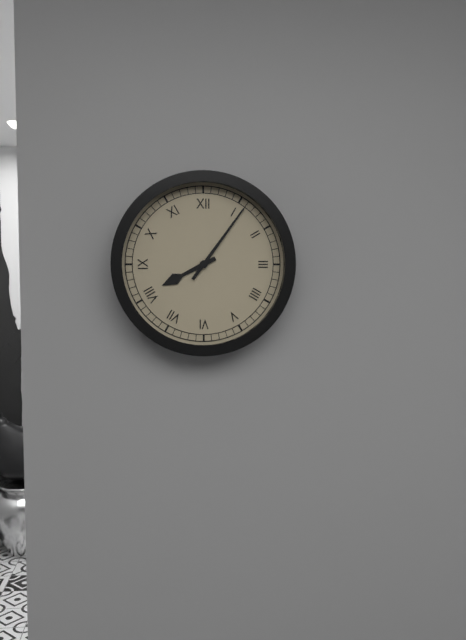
8:06
